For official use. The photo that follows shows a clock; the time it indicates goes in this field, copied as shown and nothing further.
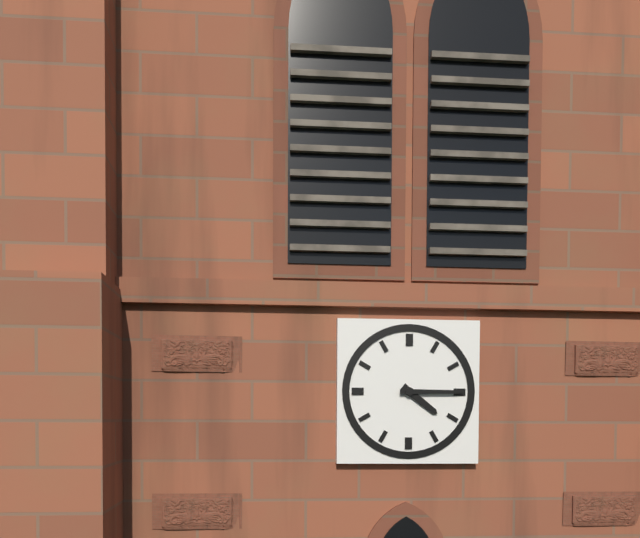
4:15
